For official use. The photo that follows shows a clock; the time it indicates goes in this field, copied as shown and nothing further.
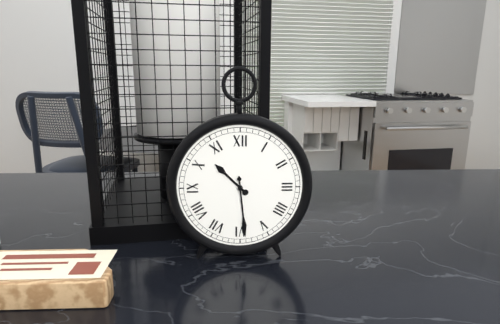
10:29
